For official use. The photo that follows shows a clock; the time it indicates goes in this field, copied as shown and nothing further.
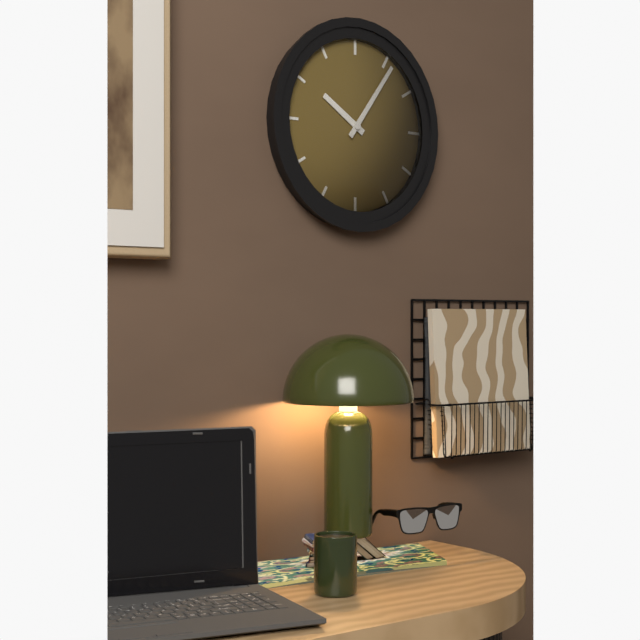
10:06
